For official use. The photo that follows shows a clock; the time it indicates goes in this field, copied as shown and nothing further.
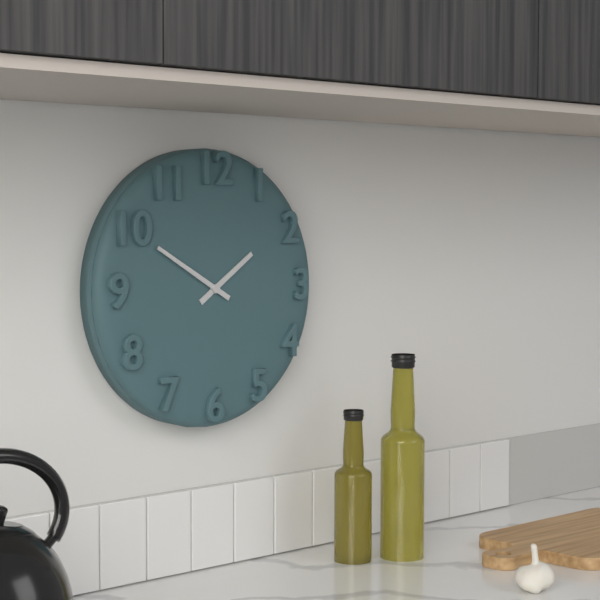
1:50
